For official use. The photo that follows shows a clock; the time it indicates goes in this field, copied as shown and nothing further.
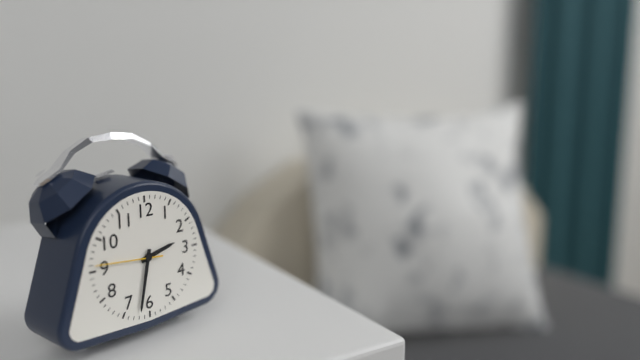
2:32
